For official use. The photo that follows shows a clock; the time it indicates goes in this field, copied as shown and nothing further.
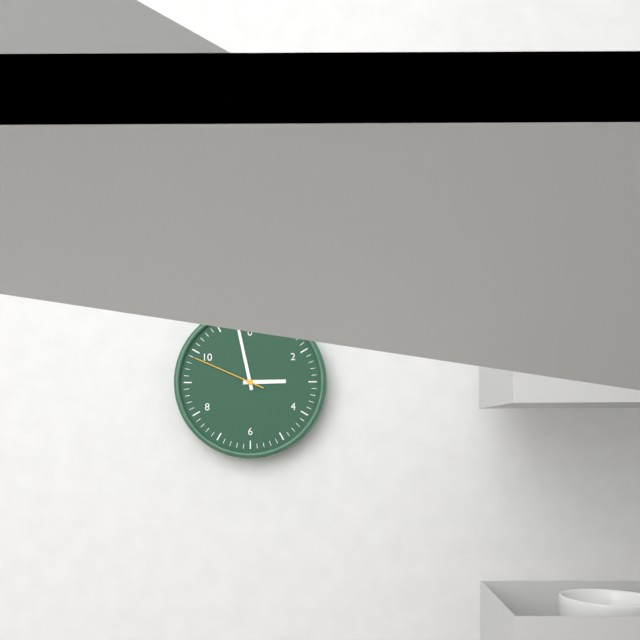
2:58:49
